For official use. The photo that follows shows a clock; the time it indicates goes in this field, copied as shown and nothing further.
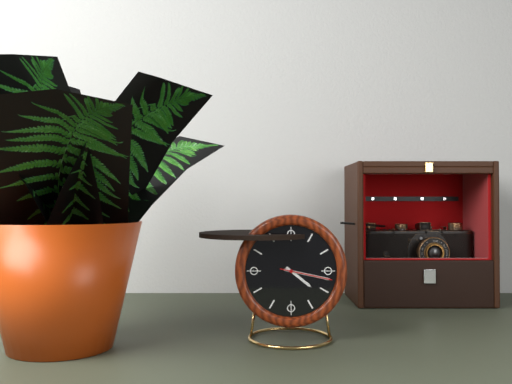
4:17:17
